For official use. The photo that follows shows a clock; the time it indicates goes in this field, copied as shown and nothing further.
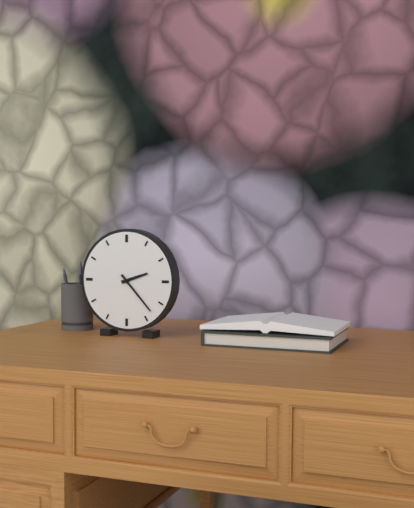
2:23
